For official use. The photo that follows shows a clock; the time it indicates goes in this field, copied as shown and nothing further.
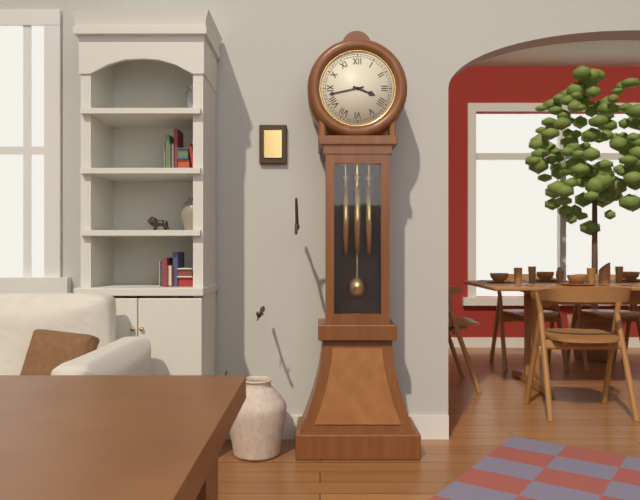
3:43
